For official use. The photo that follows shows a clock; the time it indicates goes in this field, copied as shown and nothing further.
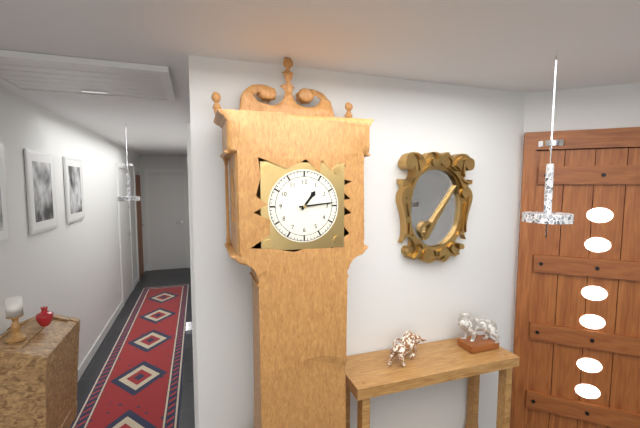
1:14
